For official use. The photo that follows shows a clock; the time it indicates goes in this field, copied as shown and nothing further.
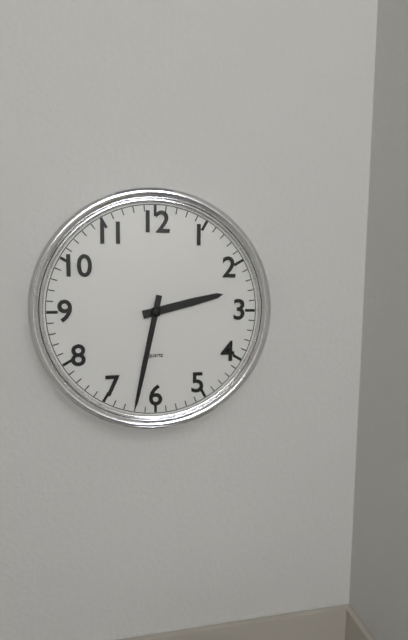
2:32
